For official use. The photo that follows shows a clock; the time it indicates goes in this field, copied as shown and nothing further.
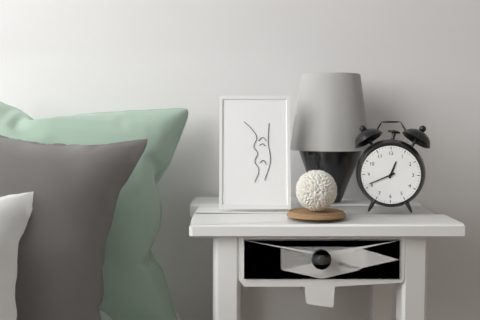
12:41
